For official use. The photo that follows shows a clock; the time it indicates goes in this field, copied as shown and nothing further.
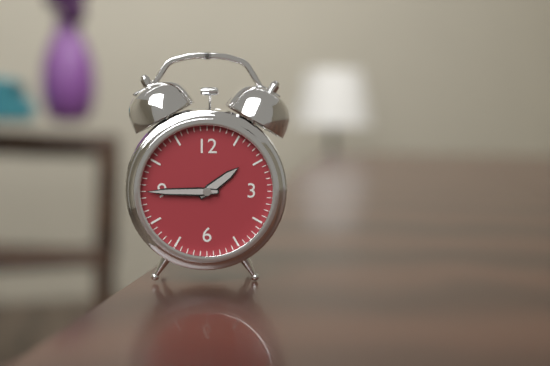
1:45
